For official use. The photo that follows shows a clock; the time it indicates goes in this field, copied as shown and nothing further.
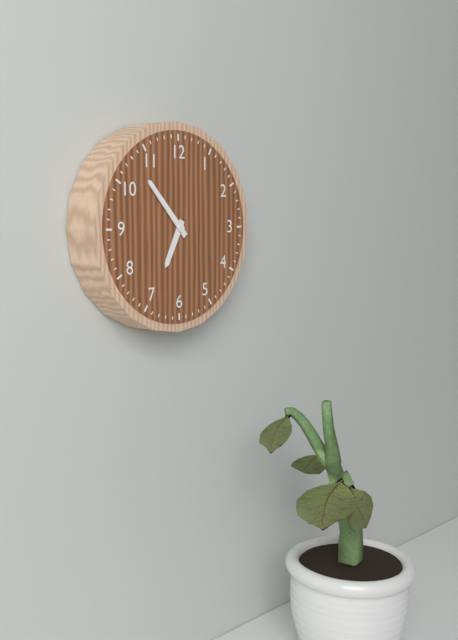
6:53
